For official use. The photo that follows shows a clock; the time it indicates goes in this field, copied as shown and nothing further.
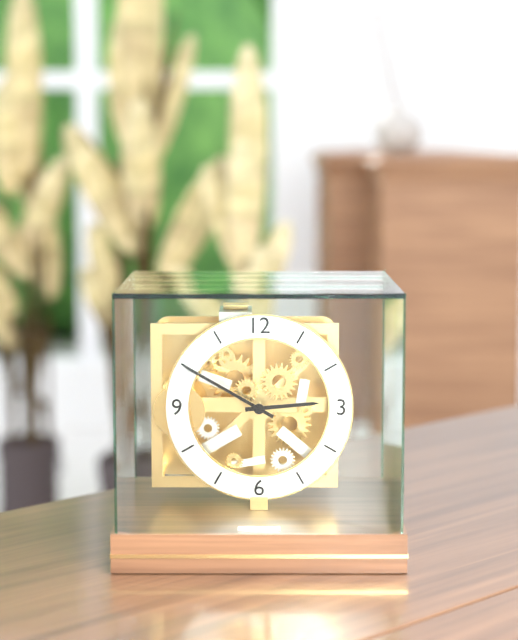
2:50
